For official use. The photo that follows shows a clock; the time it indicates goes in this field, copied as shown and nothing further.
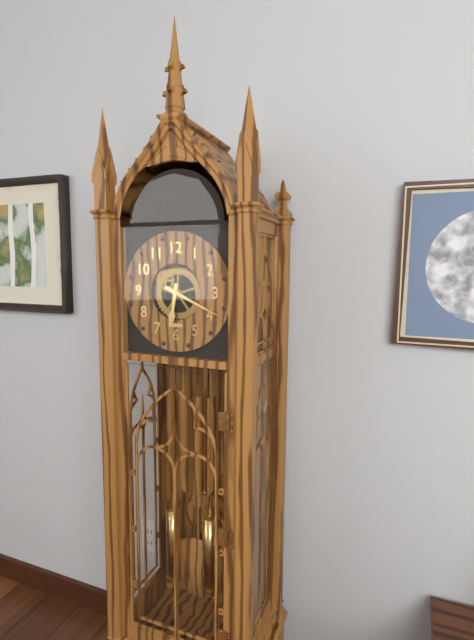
6:19
